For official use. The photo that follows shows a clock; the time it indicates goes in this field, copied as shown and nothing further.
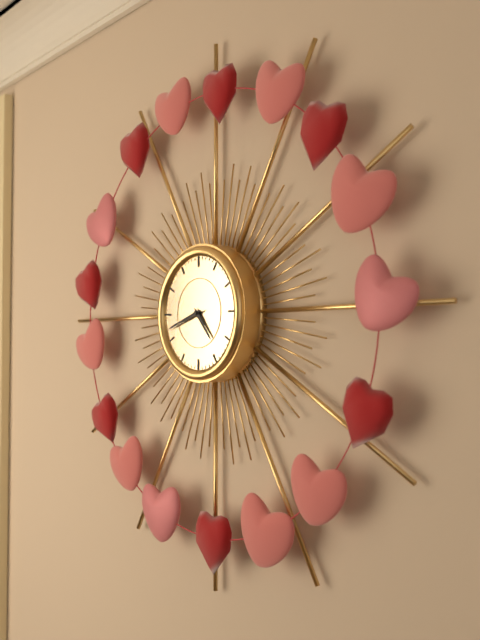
4:42
